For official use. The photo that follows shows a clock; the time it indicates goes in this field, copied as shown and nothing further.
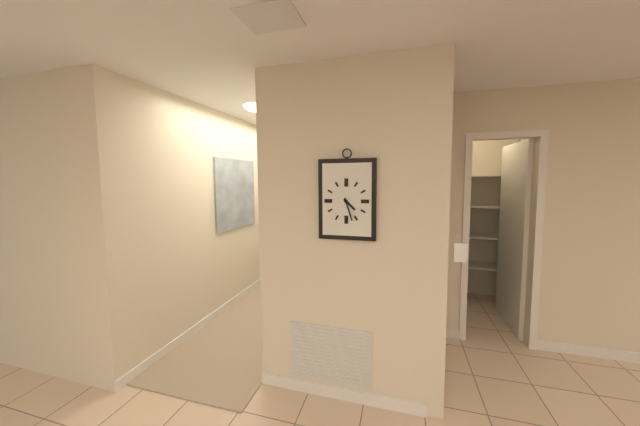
4:27
